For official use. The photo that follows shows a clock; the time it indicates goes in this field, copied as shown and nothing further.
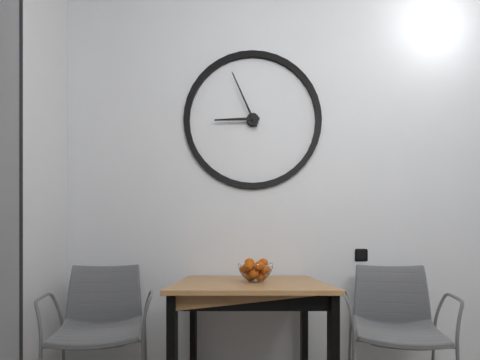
8:56
